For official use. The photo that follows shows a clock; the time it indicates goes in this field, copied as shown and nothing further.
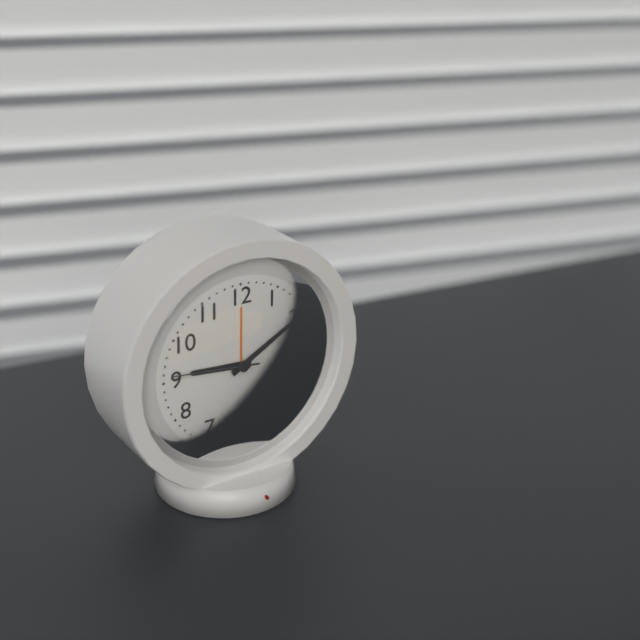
9:10:46
